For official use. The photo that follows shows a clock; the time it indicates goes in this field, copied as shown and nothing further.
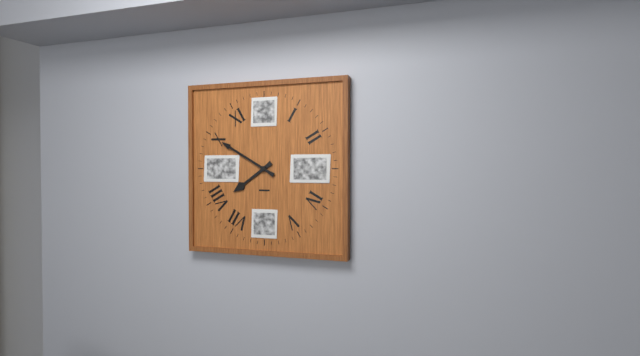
7:50
